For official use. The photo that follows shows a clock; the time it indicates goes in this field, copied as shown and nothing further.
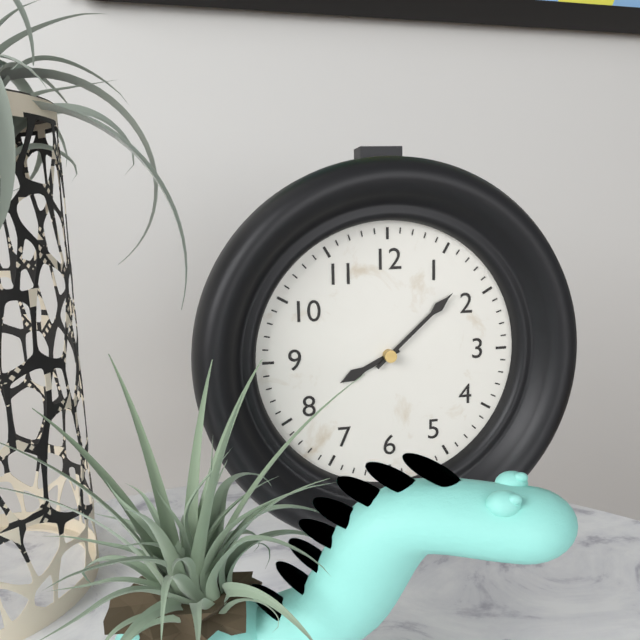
8:08
